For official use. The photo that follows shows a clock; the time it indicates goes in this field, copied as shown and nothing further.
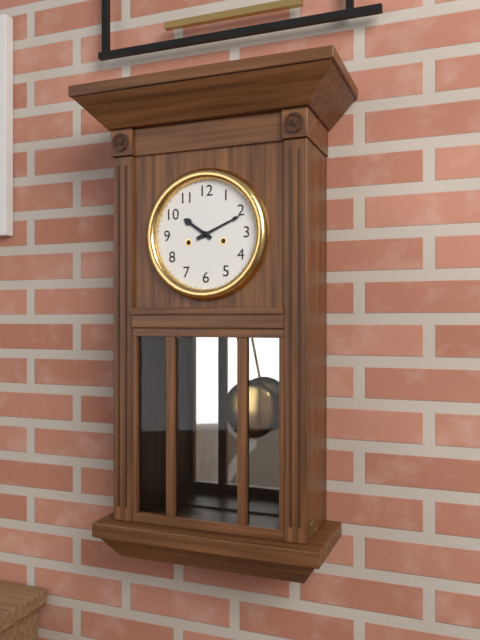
10:11
